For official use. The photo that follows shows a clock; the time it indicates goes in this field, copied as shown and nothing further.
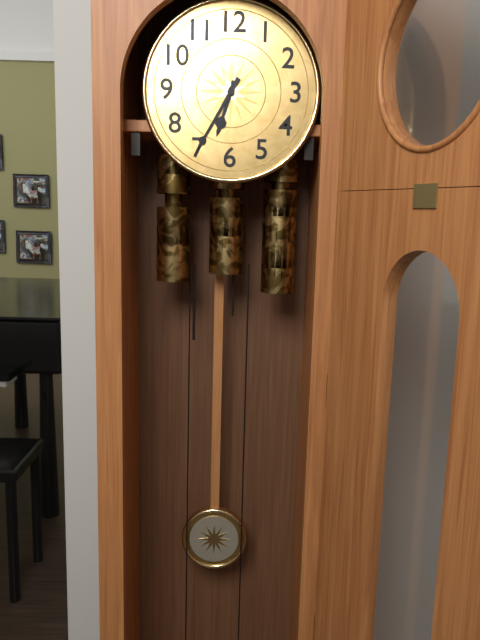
6:35
